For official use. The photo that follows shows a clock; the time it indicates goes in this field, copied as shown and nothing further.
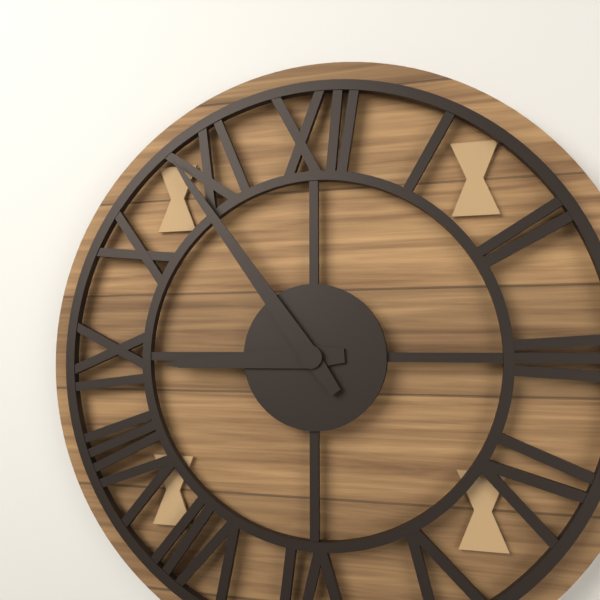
8:54
